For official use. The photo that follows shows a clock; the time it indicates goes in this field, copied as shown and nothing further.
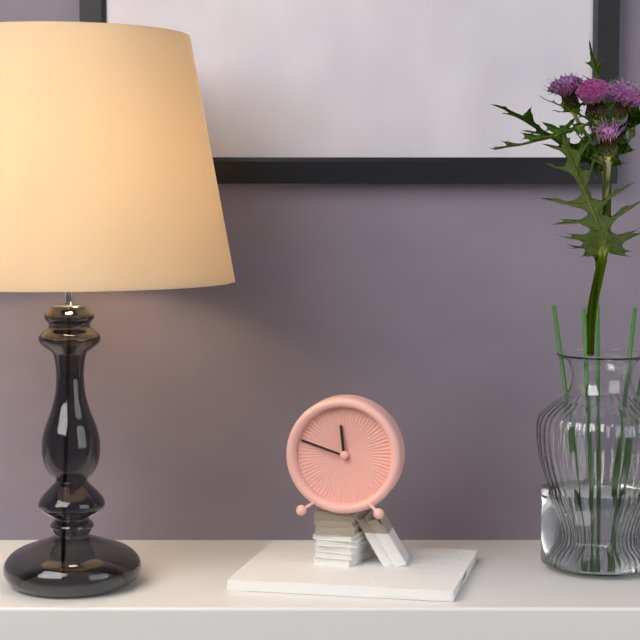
11:48
